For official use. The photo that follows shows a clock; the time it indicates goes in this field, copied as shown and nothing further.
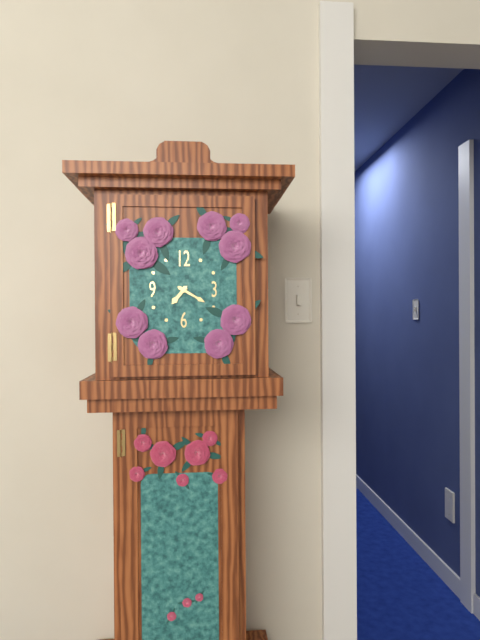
7:20
